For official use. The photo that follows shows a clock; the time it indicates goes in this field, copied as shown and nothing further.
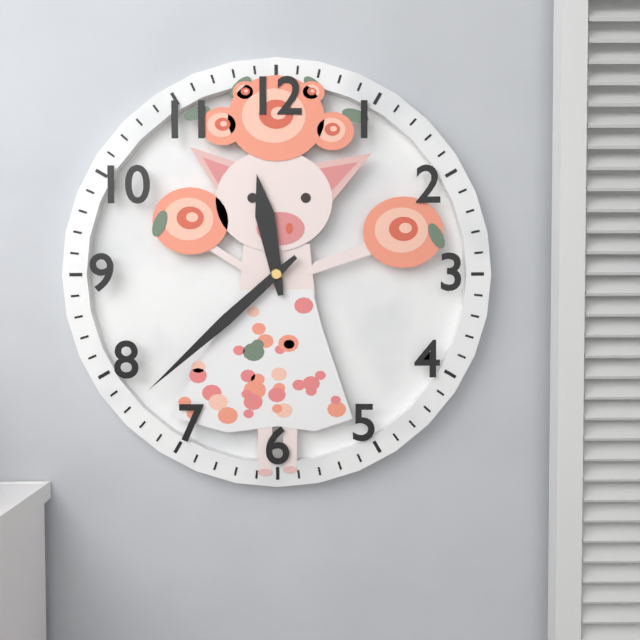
11:38
